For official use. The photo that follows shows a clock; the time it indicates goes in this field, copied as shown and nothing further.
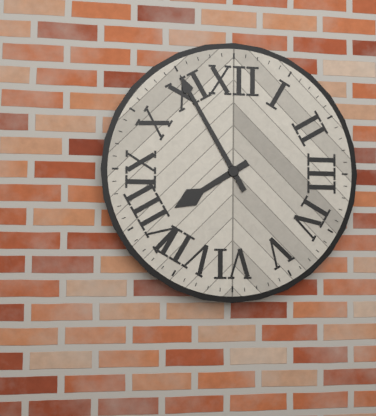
7:55
